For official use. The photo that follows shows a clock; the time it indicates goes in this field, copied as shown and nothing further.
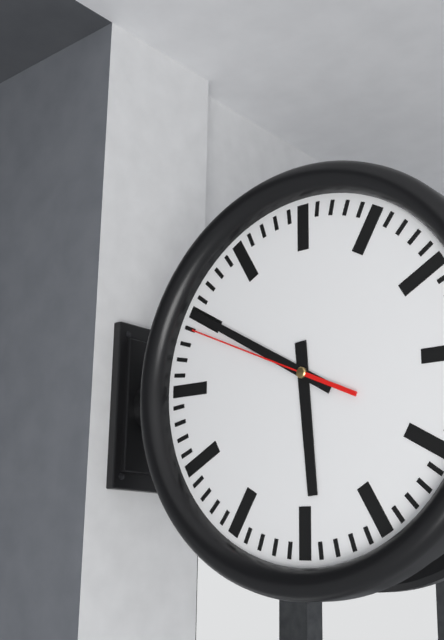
5:50:49
